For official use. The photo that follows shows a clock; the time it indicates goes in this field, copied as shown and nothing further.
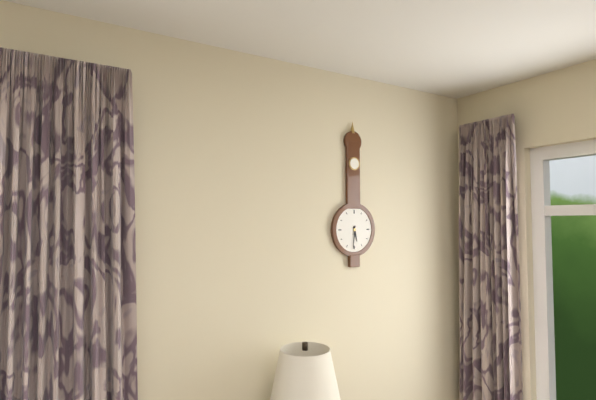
5:31
